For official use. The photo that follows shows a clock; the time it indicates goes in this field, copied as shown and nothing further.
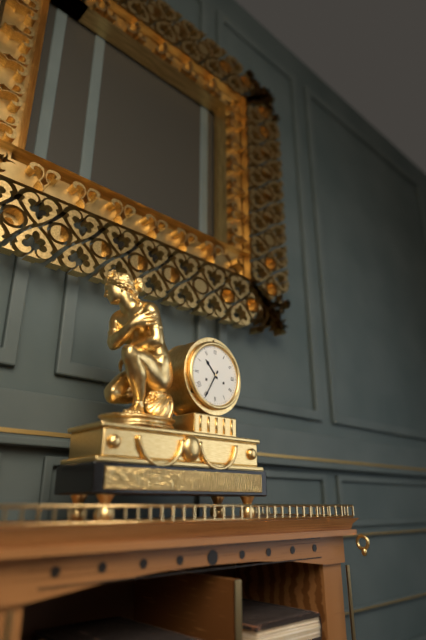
10:35
